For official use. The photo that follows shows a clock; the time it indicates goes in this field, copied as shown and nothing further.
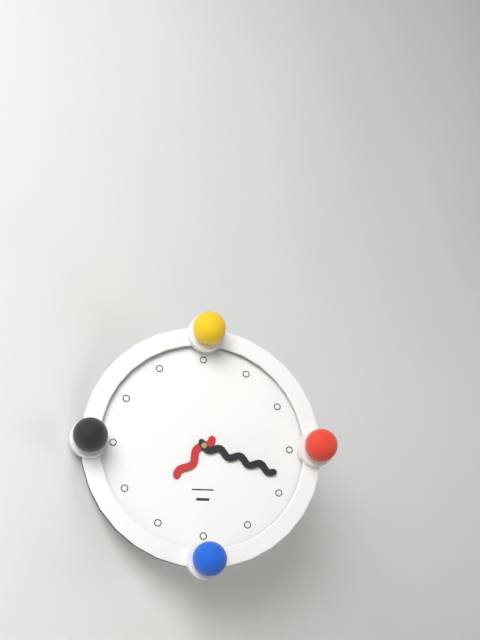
7:18
